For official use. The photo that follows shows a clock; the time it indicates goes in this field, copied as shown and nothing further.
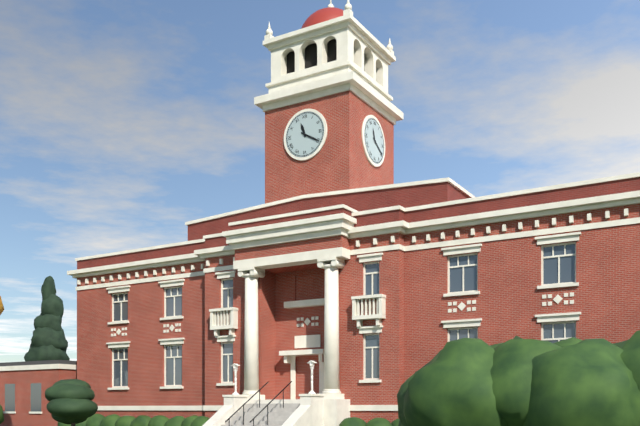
11:20
